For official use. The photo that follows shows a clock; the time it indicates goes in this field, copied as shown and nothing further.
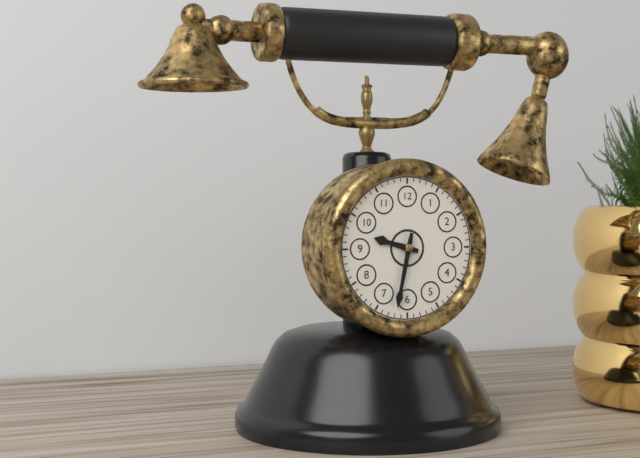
9:32
